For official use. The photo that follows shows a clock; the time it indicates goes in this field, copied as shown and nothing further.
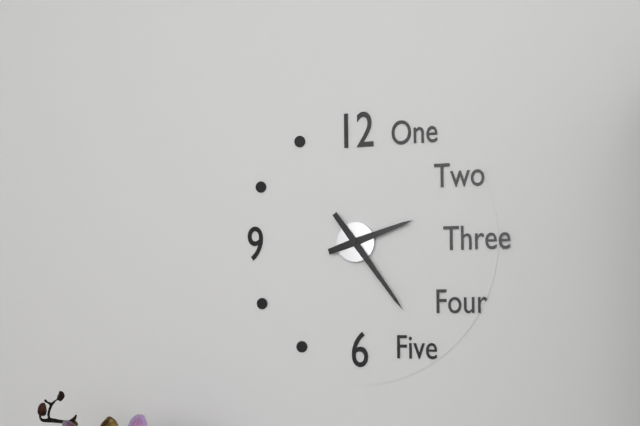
2:24
